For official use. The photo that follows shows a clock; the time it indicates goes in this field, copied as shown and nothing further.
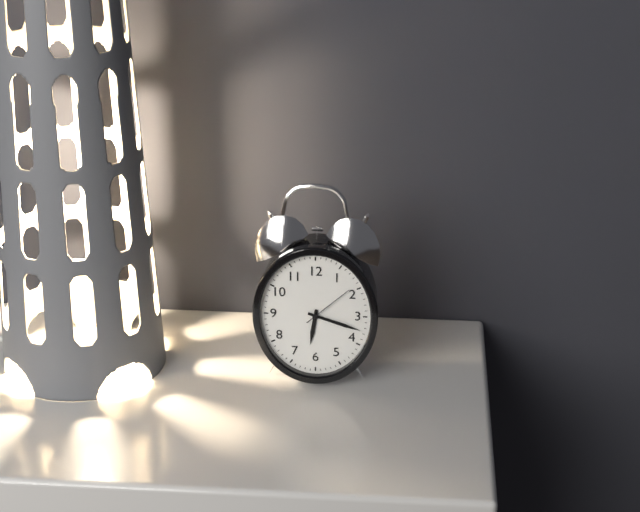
6:18
